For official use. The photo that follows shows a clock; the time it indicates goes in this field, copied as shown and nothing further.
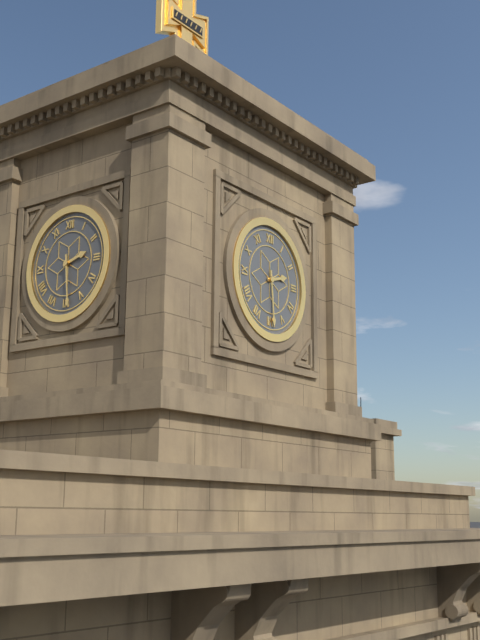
2:29
